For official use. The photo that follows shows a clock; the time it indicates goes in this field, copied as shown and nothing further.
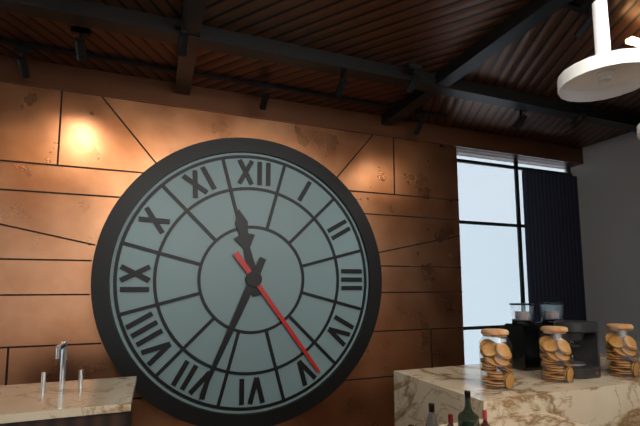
11:34:24
